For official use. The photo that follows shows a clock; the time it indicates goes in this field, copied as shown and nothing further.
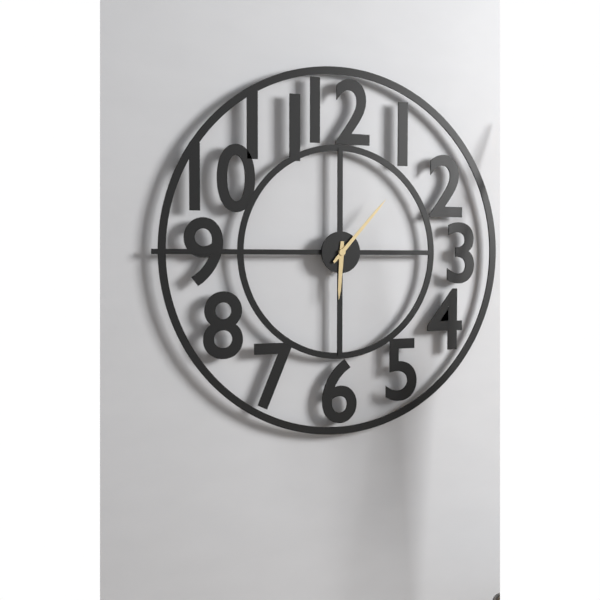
6:07
